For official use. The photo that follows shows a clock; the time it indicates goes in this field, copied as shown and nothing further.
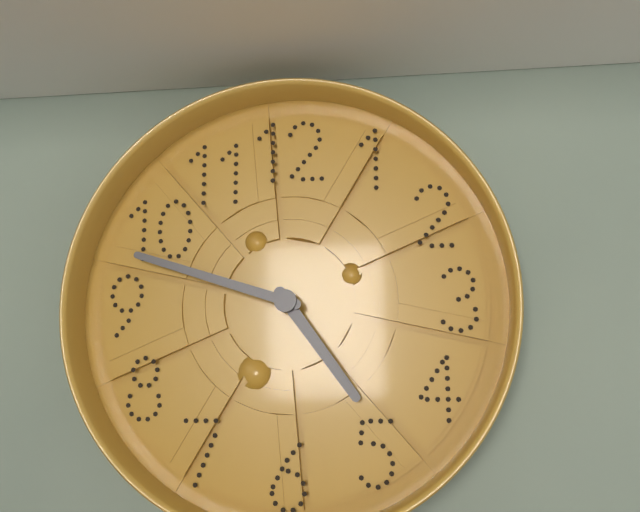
4:48
